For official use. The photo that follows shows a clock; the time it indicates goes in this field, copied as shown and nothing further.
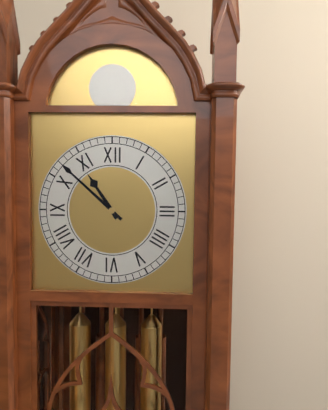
10:52
